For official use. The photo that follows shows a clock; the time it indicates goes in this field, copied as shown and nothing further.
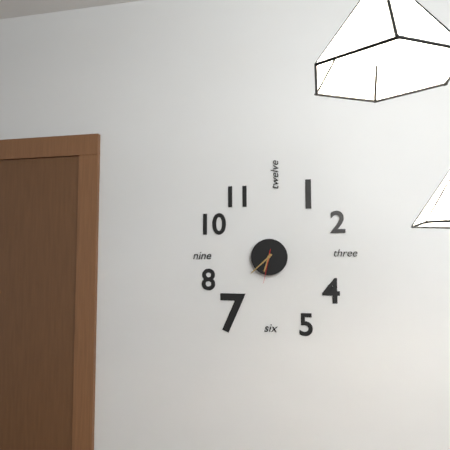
6:38
